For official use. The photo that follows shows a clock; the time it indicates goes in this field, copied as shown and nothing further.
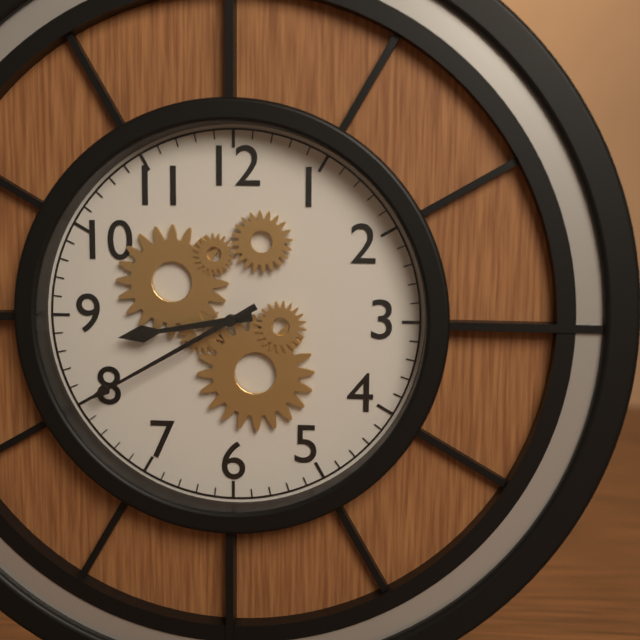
8:40
